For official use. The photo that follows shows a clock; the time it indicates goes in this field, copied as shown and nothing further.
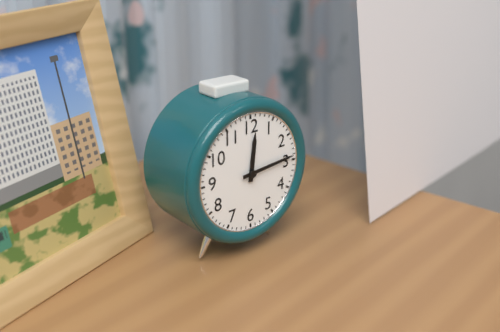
12:14
